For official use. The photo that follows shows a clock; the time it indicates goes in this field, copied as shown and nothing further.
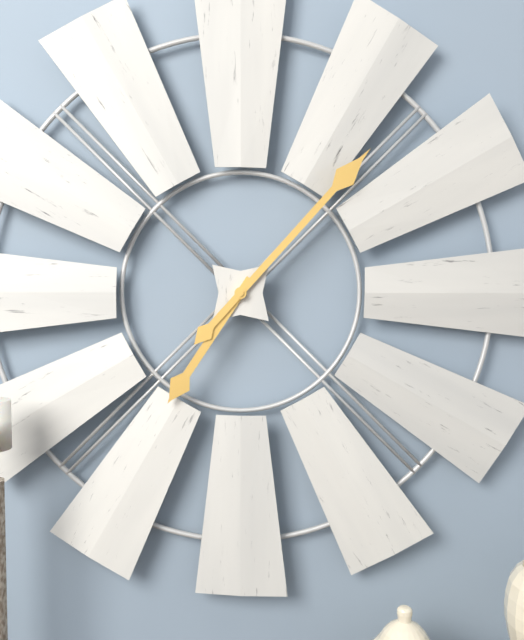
7:07
